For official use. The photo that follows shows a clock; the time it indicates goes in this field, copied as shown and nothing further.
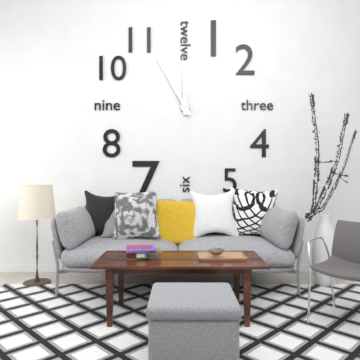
11:55
